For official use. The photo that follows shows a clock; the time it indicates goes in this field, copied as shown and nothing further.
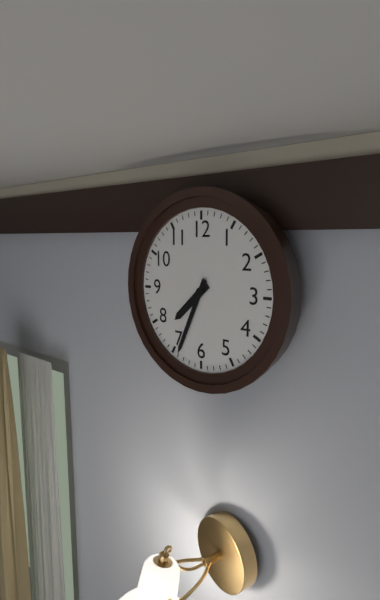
7:34
